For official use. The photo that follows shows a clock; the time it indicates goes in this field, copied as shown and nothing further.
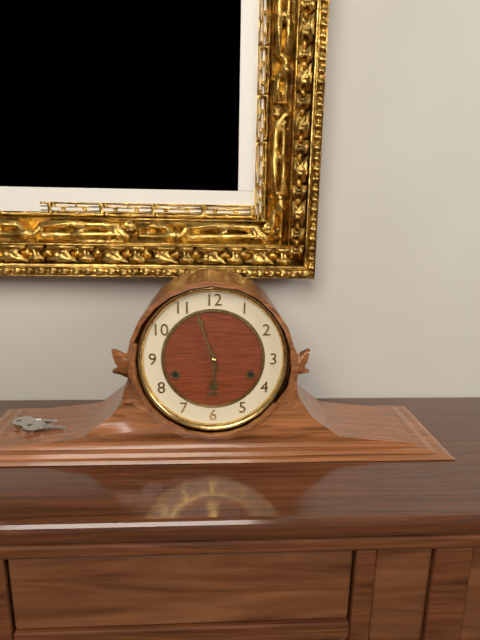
5:57
